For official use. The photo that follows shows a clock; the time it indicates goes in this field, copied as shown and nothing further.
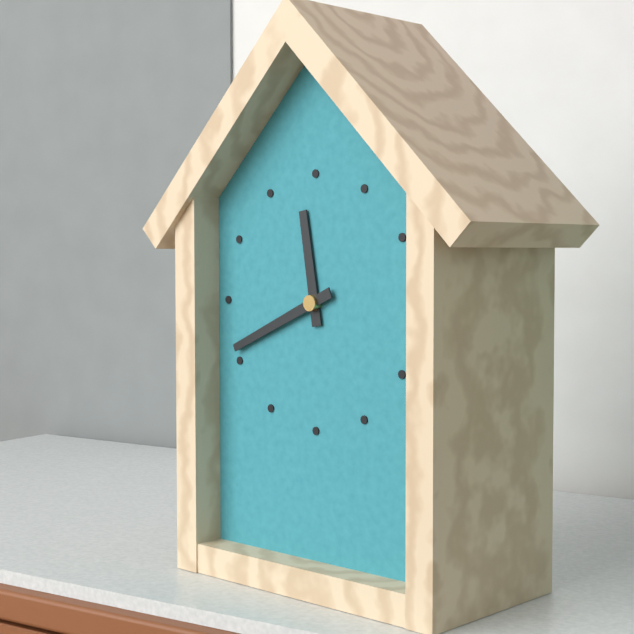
11:41
